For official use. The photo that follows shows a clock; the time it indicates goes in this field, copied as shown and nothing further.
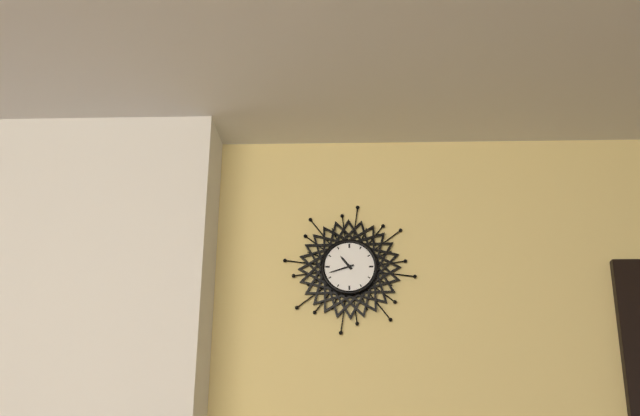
10:42
